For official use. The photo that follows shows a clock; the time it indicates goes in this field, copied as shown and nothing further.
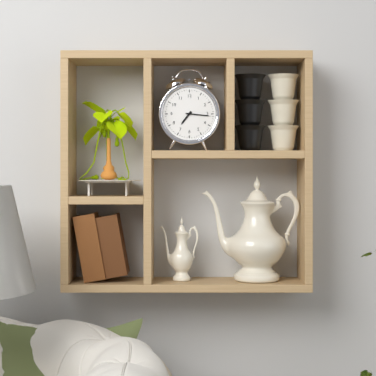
7:16
